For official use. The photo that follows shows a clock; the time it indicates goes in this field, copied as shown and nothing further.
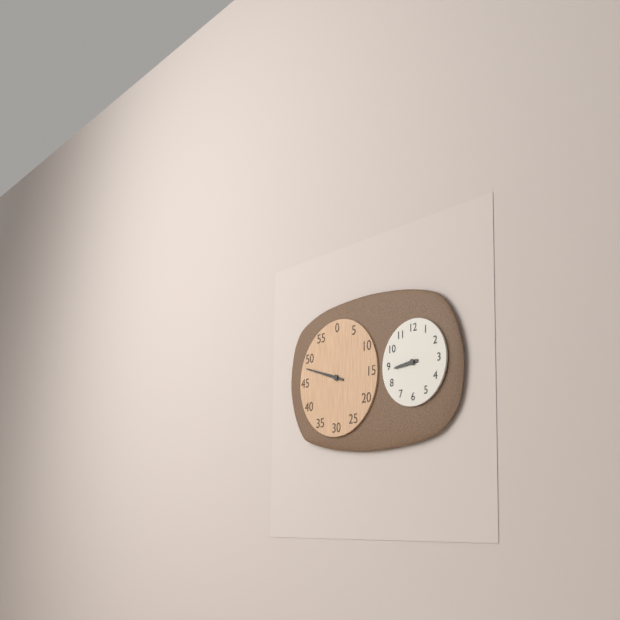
8:48
